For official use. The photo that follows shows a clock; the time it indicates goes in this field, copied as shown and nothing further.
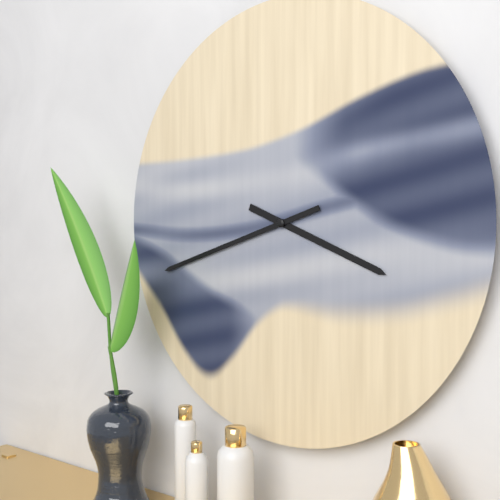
3:42
